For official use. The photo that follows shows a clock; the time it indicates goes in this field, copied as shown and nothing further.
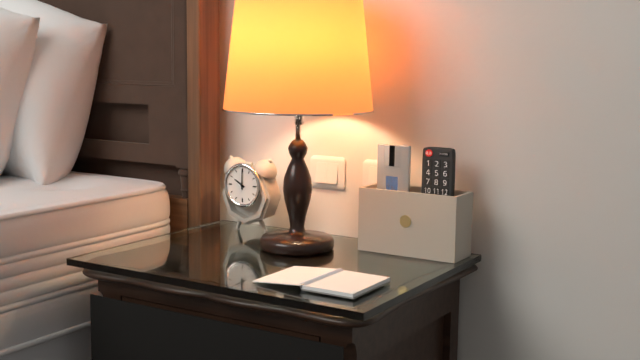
10:00
